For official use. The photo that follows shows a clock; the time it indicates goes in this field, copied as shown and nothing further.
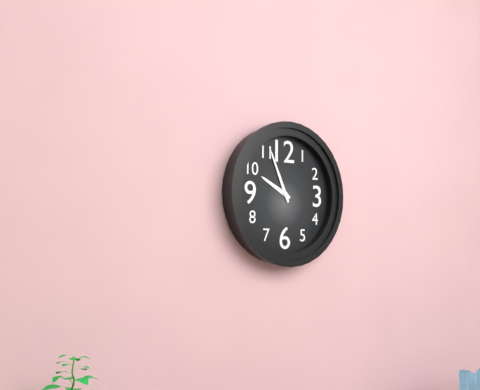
9:56
